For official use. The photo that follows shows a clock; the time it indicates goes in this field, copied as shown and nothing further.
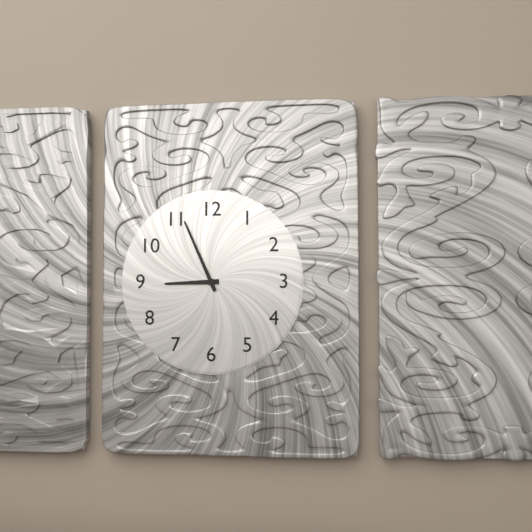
8:56
